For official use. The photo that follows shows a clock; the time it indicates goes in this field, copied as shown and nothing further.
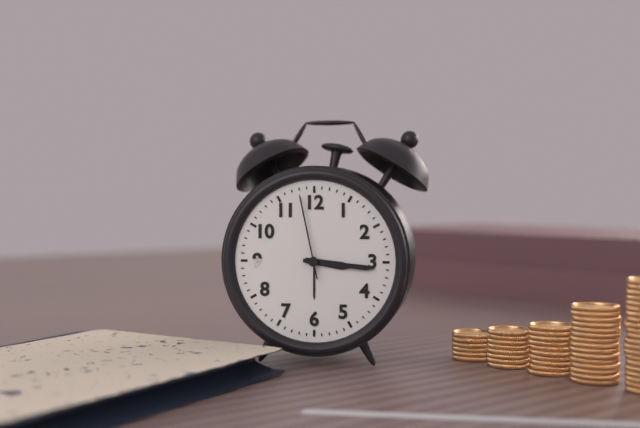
3:16:58
